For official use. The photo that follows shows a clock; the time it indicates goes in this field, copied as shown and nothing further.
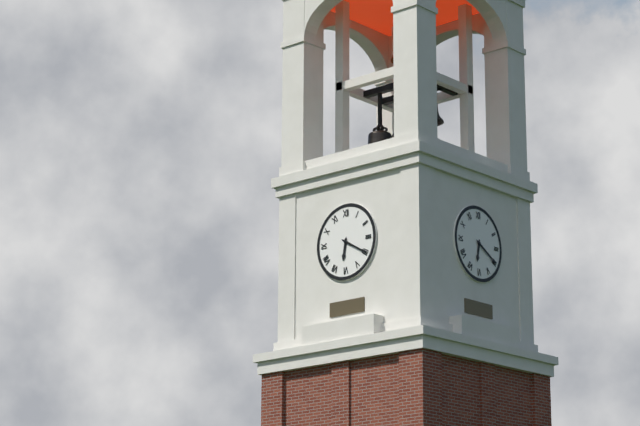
6:20
